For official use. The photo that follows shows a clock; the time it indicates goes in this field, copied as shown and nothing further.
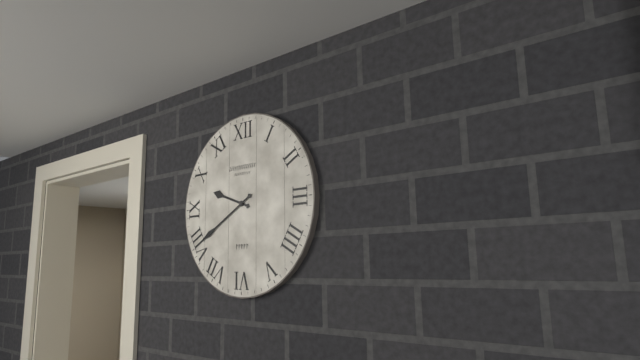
9:40
